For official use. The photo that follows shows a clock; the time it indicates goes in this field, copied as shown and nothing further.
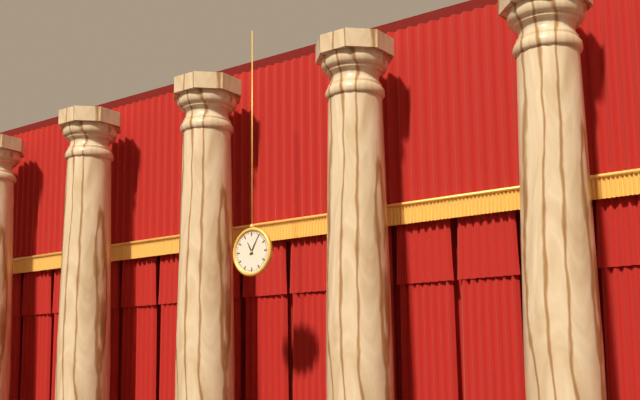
11:05
